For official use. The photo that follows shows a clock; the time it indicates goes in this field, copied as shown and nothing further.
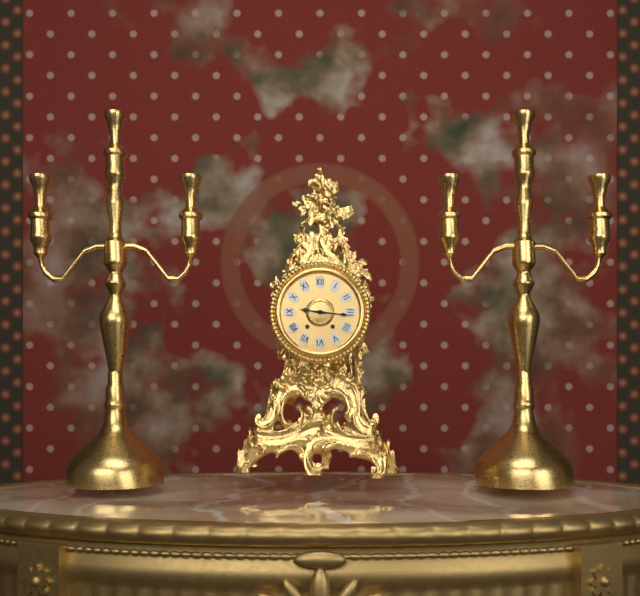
9:16
